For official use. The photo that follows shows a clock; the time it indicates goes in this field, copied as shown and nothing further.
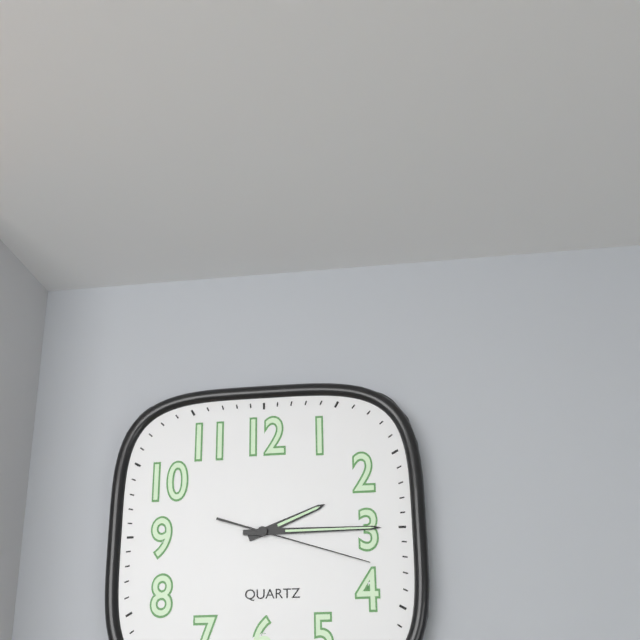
2:15:18
